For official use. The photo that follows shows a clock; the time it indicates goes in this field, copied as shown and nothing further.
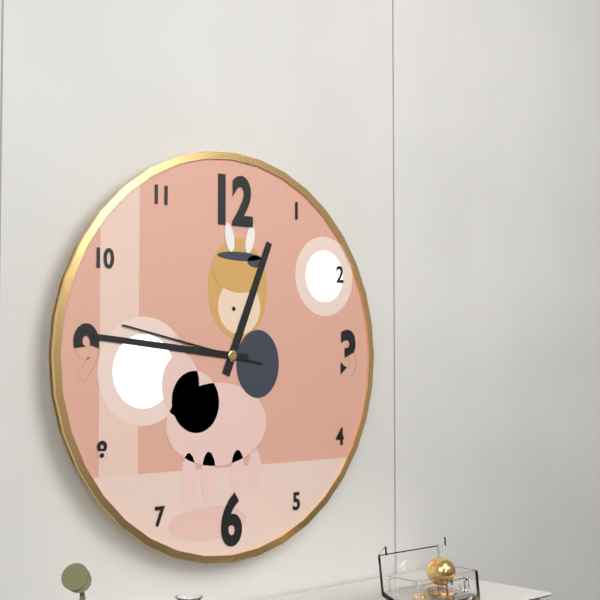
12:46:47
